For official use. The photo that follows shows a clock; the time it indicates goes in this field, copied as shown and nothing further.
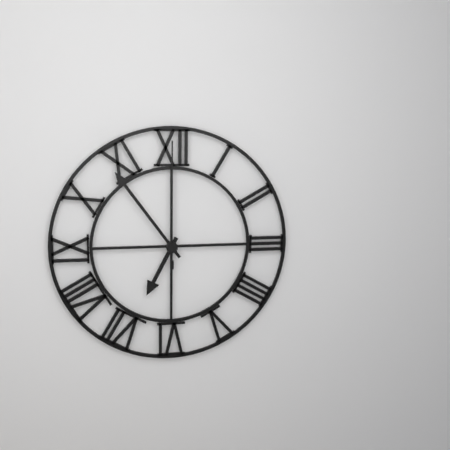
6:54:00
